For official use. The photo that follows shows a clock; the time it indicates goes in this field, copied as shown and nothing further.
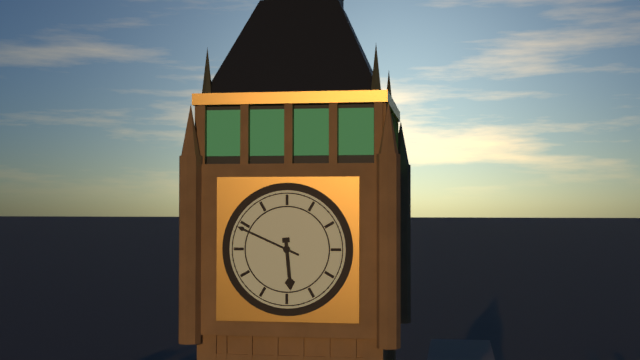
5:49
